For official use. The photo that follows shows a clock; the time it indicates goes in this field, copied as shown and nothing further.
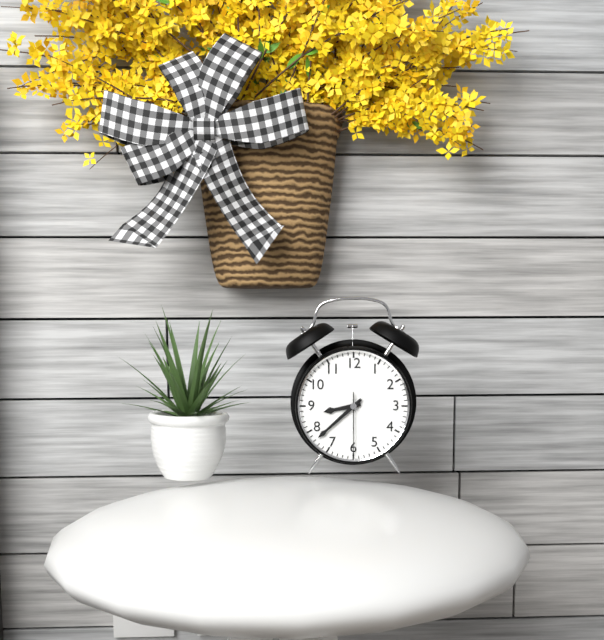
8:38:30
